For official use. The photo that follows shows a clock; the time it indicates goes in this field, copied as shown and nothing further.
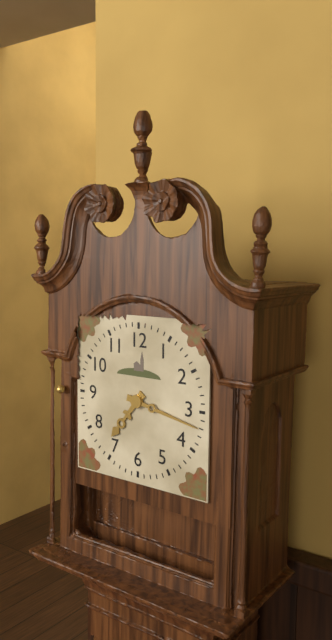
7:17
